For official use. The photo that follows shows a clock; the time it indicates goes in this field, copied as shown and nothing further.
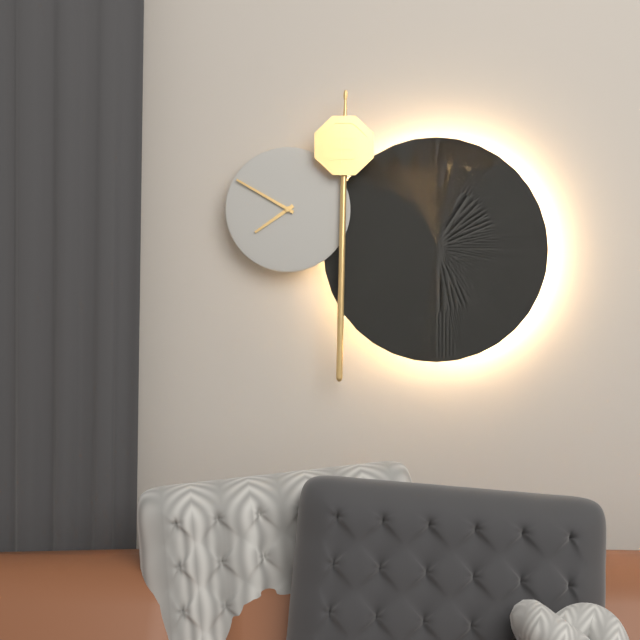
7:50
